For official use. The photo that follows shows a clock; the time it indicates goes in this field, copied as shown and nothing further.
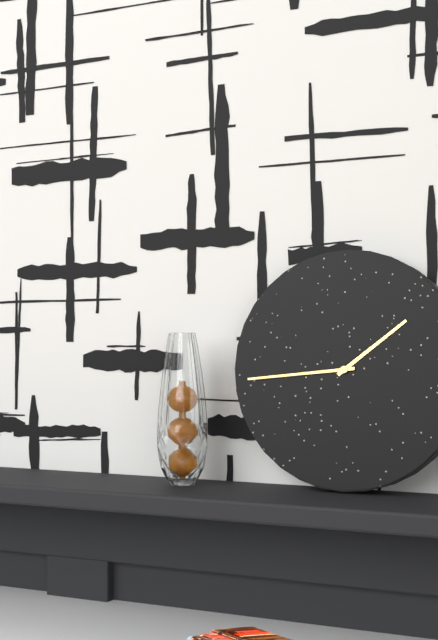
1:44
